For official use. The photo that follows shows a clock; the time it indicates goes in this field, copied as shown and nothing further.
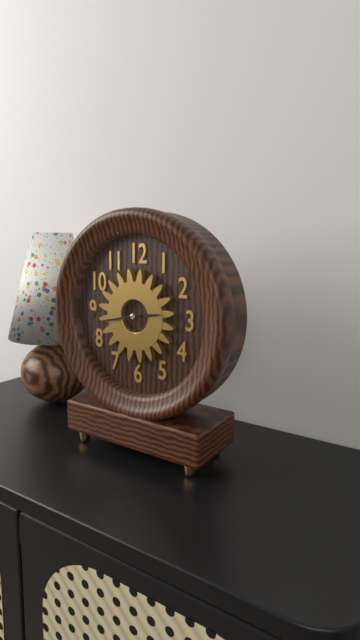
2:43
